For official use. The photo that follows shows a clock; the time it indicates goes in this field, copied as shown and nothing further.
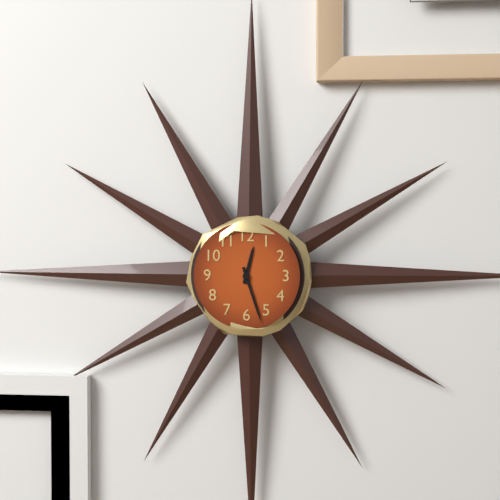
12:27
